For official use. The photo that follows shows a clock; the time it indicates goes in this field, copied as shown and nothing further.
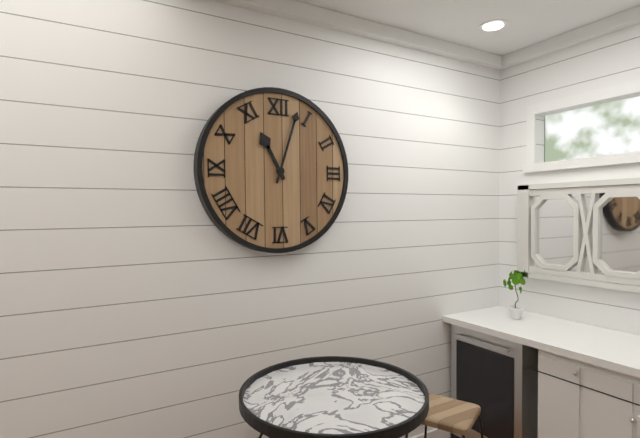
11:03
